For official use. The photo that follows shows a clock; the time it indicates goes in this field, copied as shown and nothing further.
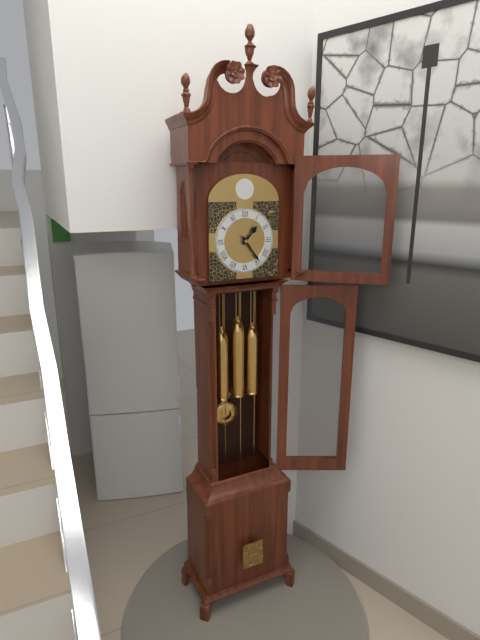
1:24
